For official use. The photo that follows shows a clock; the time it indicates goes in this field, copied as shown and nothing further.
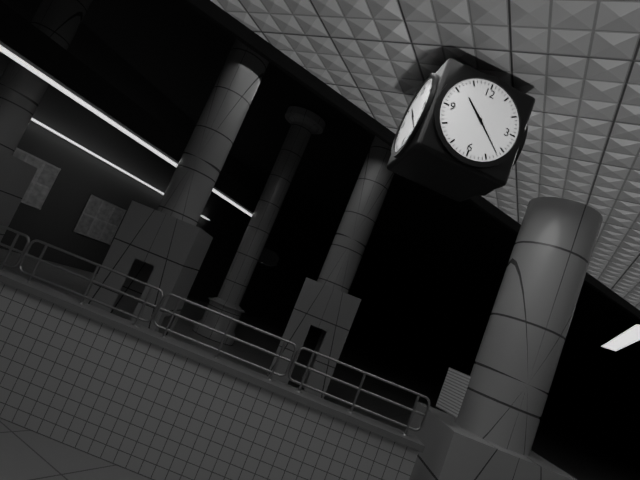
10:22
